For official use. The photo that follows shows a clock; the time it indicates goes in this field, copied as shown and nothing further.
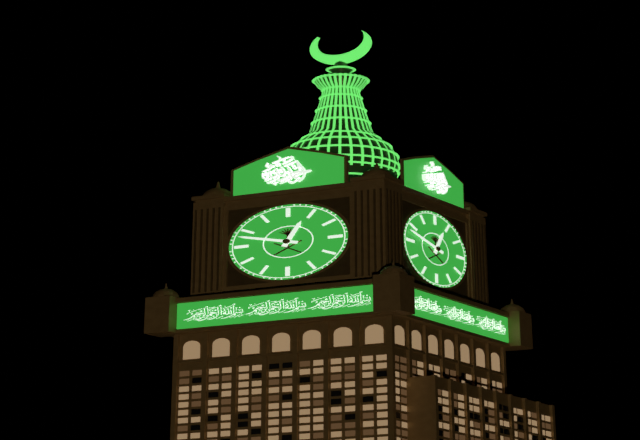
12:48
